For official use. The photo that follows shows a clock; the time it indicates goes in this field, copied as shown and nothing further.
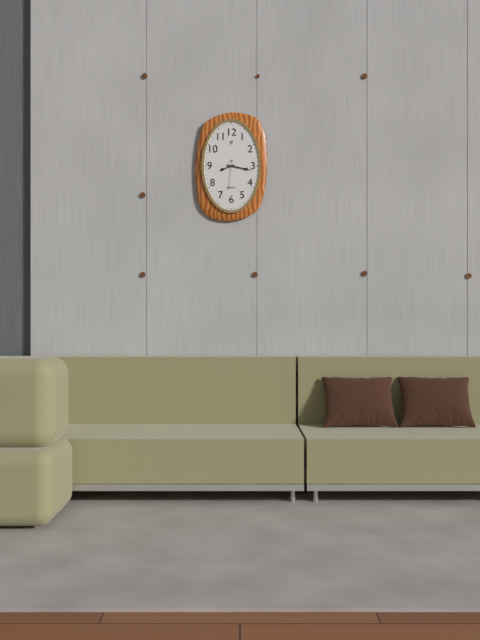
8:17
